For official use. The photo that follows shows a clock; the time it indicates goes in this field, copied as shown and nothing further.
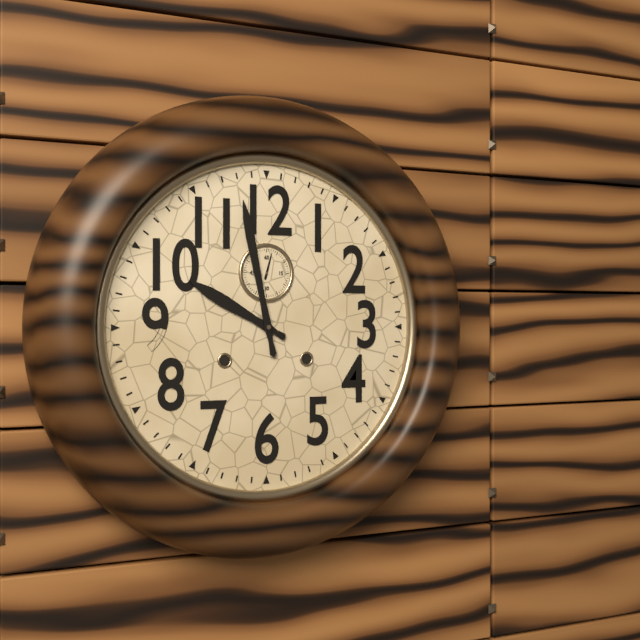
9:58
